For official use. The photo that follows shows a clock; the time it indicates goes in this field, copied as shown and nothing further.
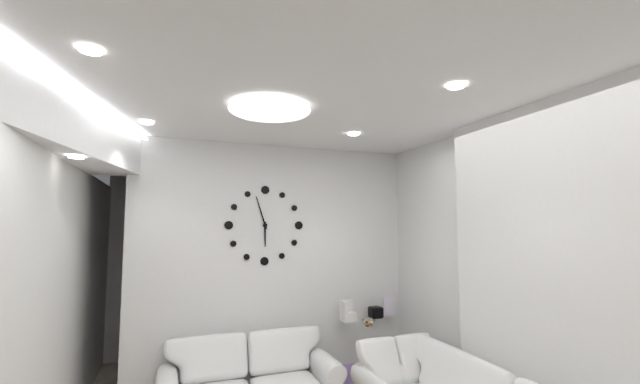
5:57
